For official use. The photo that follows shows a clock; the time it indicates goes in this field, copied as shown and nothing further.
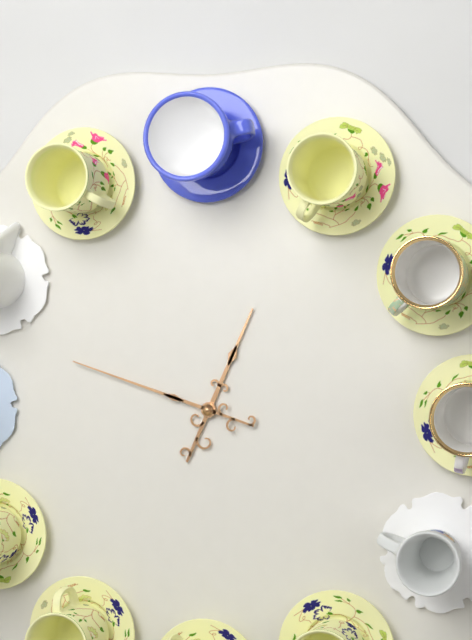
12:48
